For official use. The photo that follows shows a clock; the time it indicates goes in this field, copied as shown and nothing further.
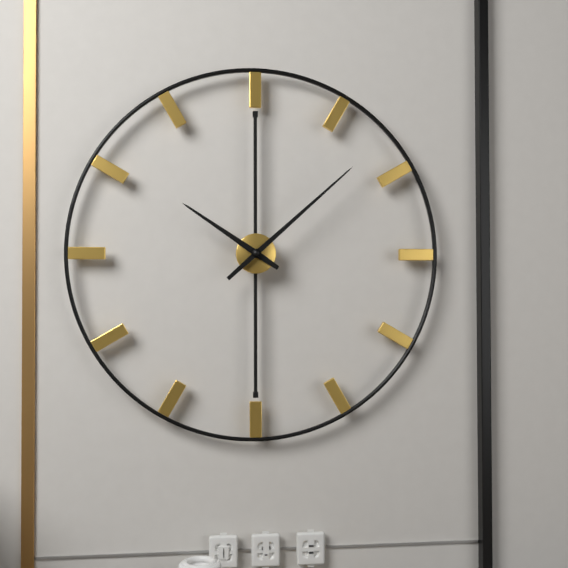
10:08
